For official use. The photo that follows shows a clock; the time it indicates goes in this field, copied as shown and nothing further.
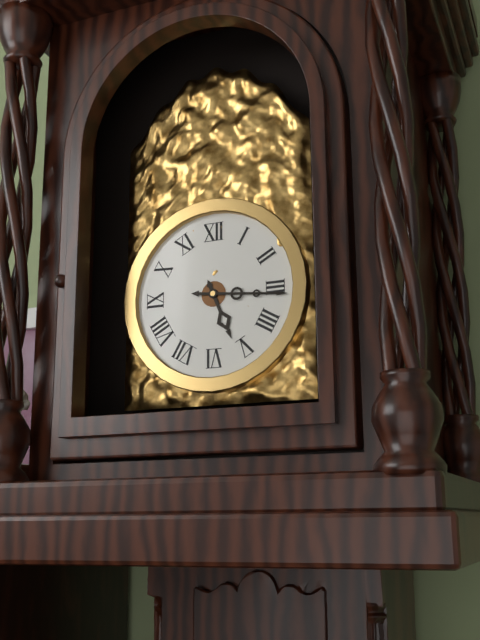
5:16
